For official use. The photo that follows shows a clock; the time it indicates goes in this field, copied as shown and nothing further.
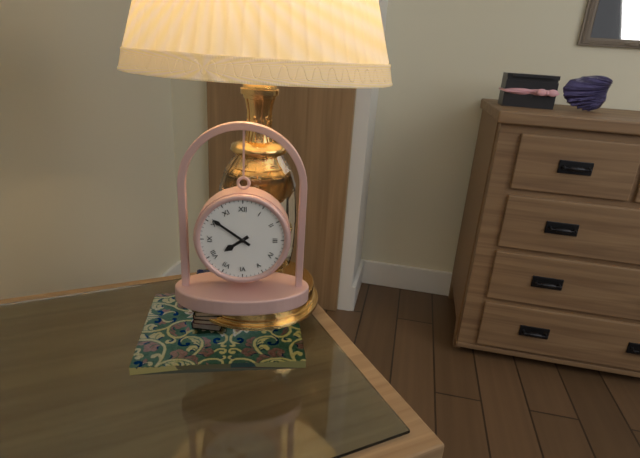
7:51
